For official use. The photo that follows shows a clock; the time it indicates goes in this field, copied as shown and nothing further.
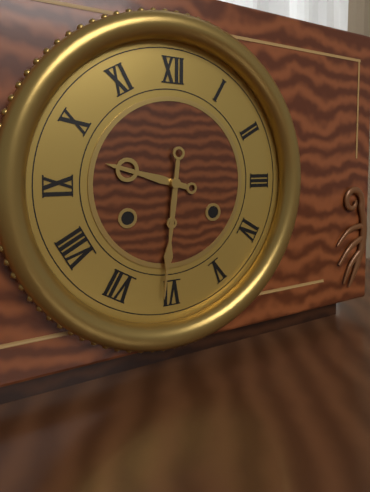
9:31
